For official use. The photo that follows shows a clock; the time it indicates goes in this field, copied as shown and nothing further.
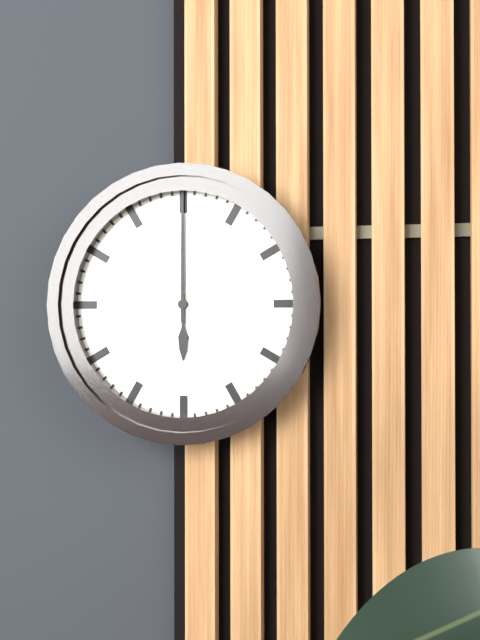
6:00
